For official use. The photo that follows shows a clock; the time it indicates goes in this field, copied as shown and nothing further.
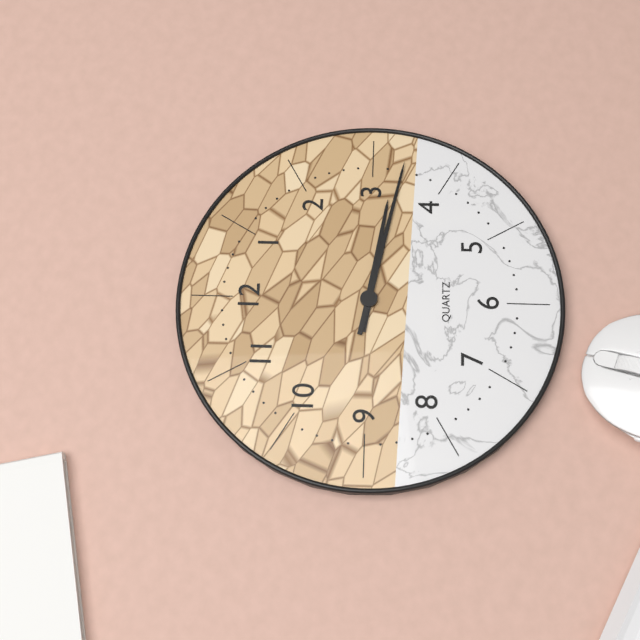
3:17
